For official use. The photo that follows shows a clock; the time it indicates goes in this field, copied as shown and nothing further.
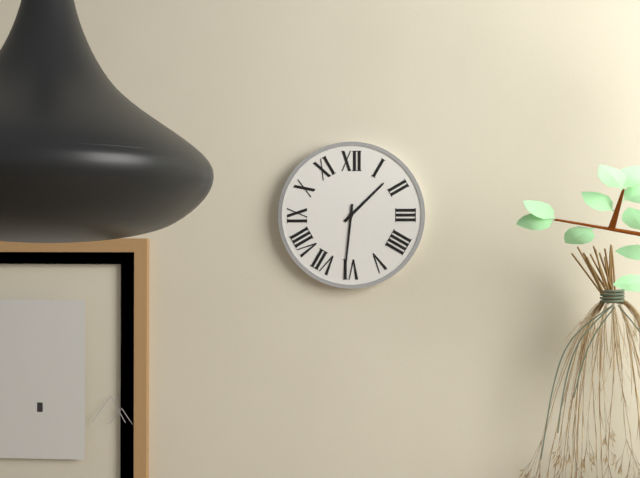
1:31
